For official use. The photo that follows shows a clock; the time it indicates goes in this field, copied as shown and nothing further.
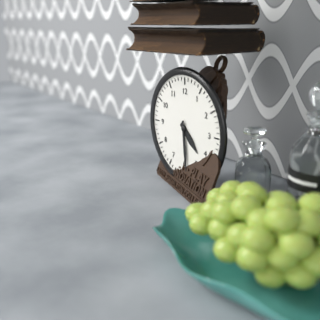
4:29
